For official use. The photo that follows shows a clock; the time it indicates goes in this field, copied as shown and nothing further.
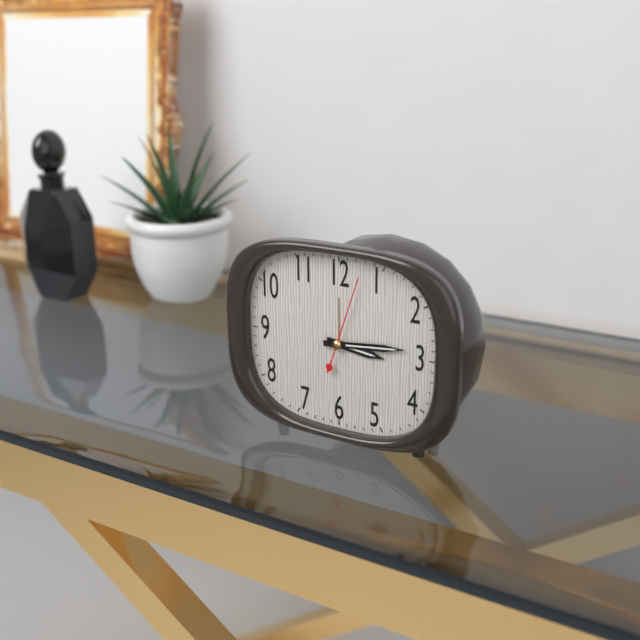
3:14:03
